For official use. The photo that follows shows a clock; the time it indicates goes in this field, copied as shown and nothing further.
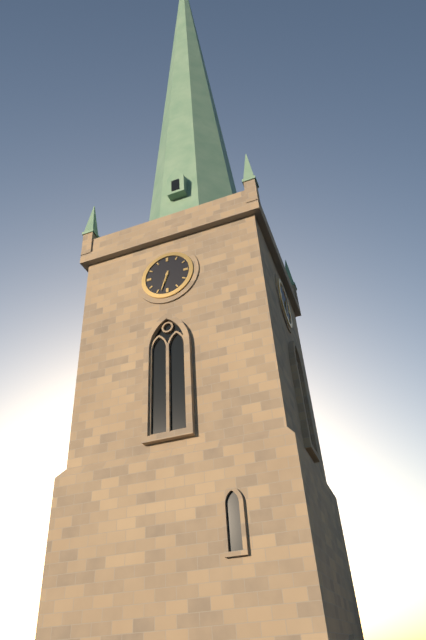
6:33
